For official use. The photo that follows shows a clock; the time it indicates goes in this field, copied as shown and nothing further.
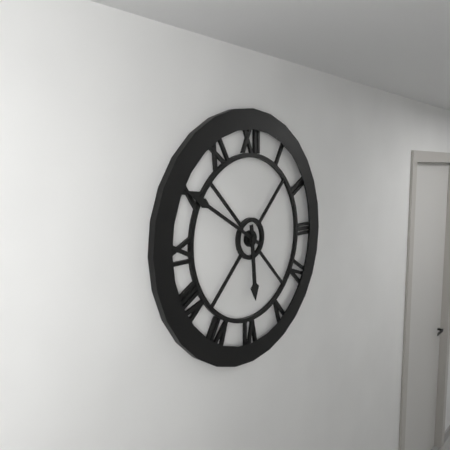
5:50
